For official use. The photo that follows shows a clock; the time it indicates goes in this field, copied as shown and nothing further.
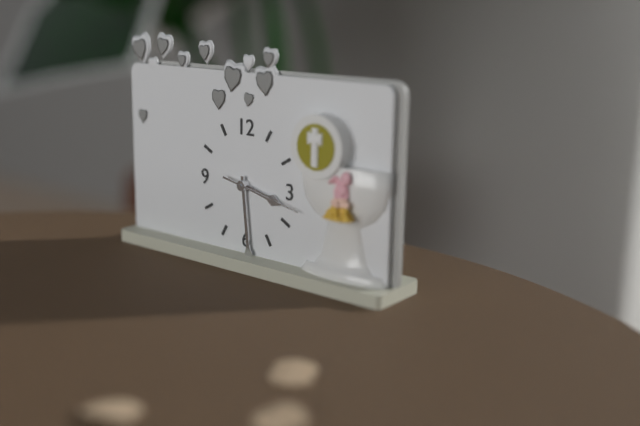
3:29:17
